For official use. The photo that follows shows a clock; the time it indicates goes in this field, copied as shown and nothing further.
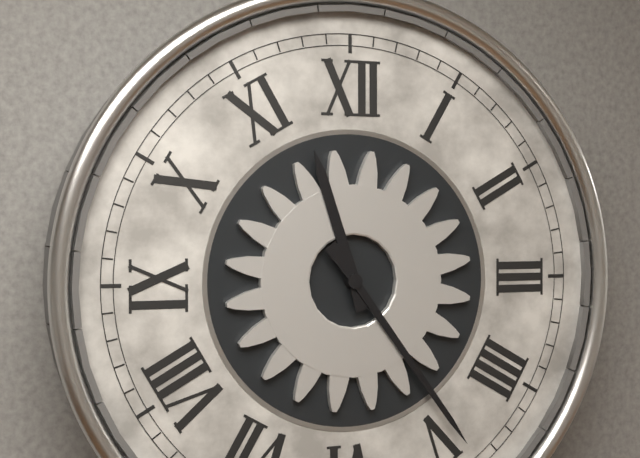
11:24
